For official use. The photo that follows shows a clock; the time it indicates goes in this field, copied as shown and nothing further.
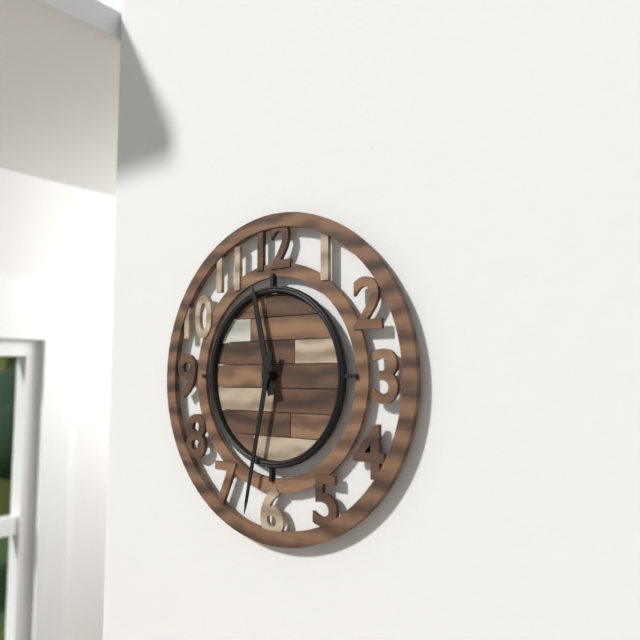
11:32
